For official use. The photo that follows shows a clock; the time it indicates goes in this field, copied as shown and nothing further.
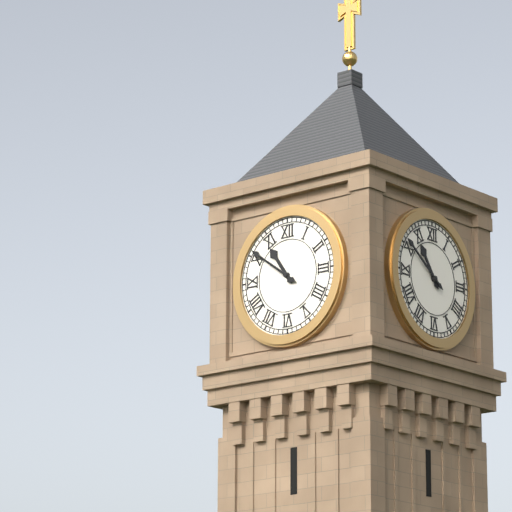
10:51
